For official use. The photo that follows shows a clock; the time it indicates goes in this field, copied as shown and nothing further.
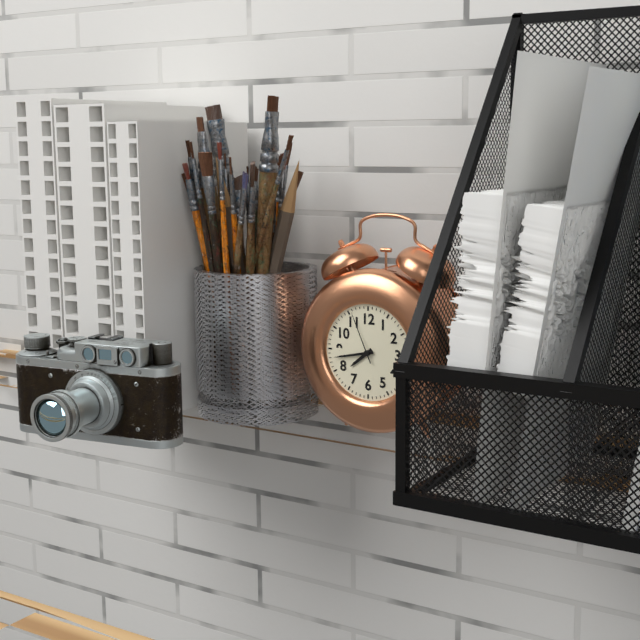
7:43:56
